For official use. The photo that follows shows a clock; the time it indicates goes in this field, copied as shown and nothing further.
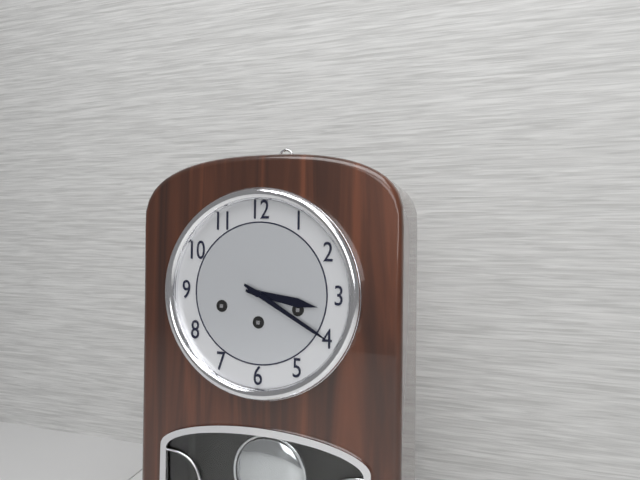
3:20
